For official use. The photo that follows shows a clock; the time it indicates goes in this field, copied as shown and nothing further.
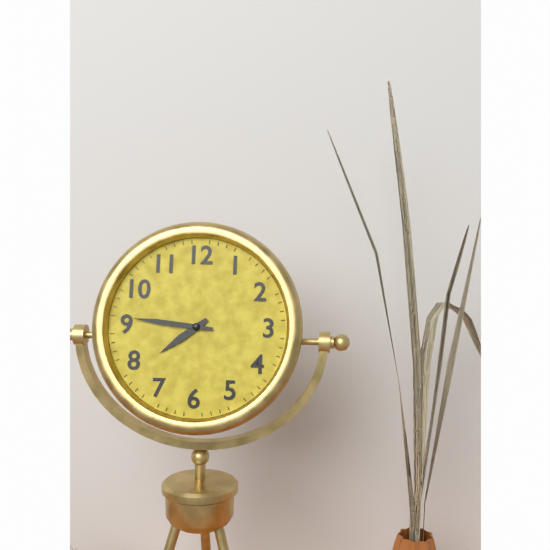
7:46
